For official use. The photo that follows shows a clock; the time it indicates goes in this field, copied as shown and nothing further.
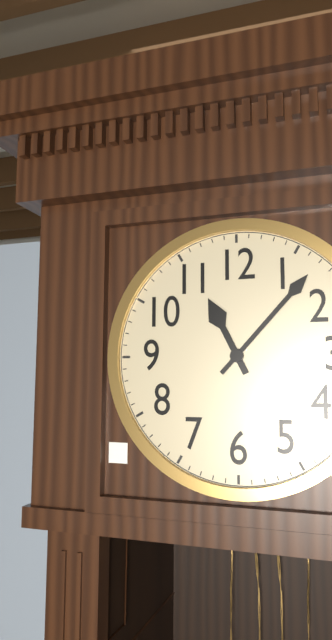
11:07
